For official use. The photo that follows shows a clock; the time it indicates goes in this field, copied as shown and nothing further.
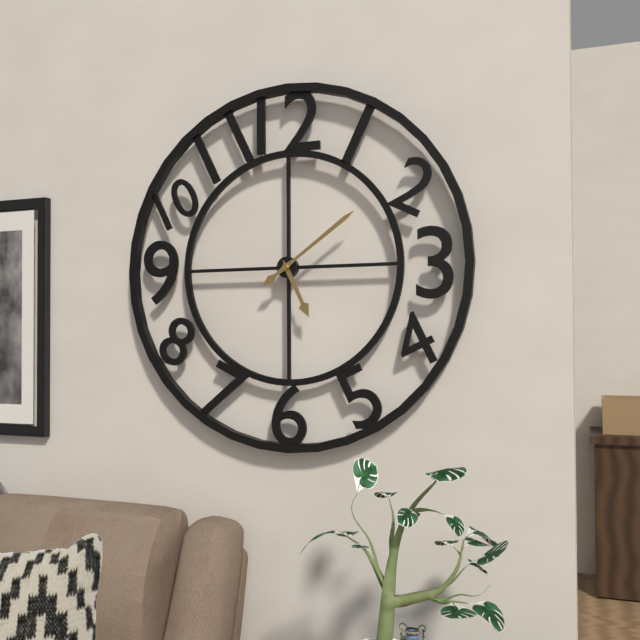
5:09
